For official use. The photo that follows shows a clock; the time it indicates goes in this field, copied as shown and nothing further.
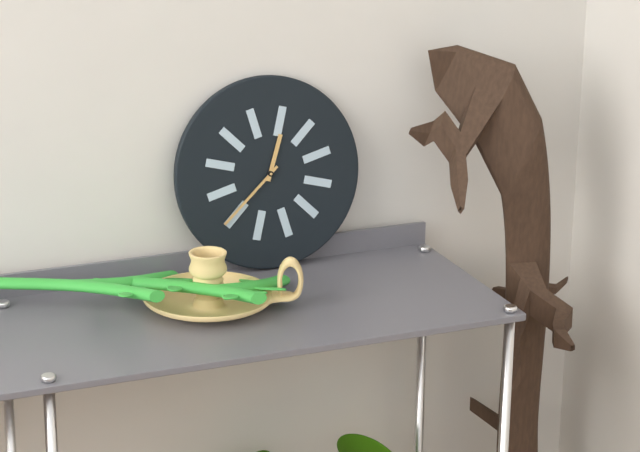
12:38
